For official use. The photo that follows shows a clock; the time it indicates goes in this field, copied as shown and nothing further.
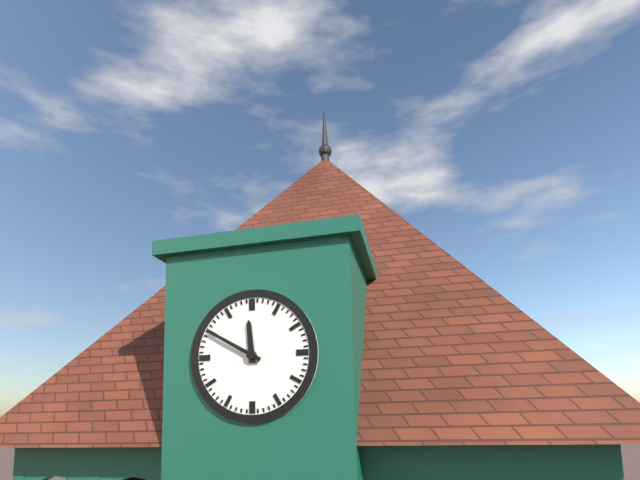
11:50
